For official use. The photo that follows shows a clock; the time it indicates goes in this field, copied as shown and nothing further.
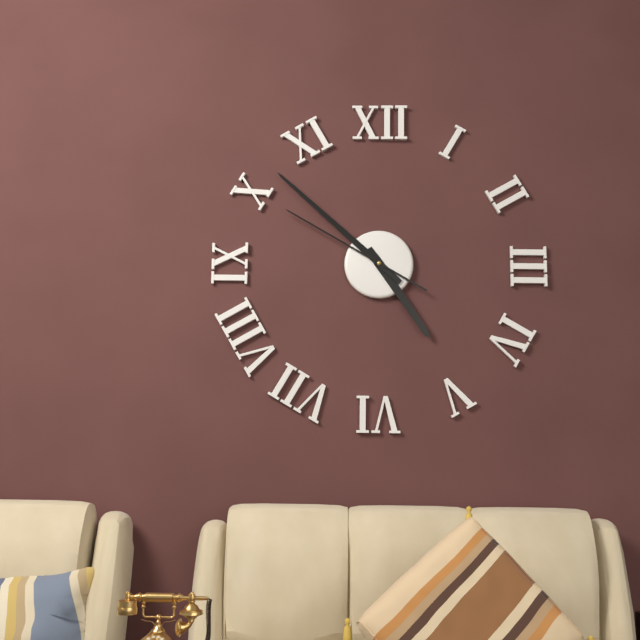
4:52:50
